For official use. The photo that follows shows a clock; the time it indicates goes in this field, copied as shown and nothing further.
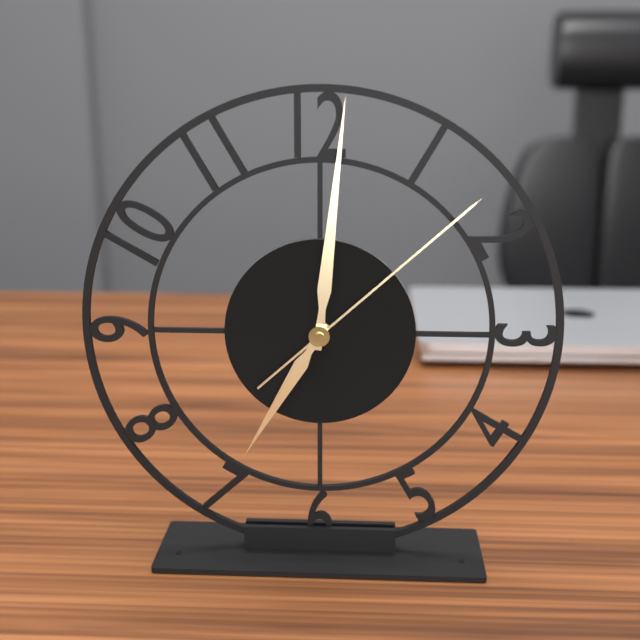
7:01:08
